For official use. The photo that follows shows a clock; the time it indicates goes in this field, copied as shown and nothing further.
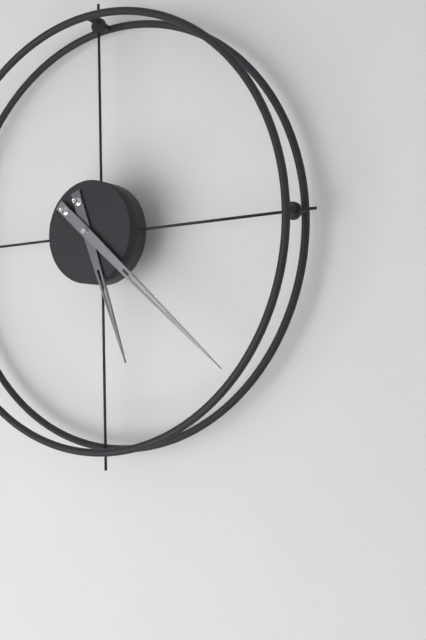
5:22
